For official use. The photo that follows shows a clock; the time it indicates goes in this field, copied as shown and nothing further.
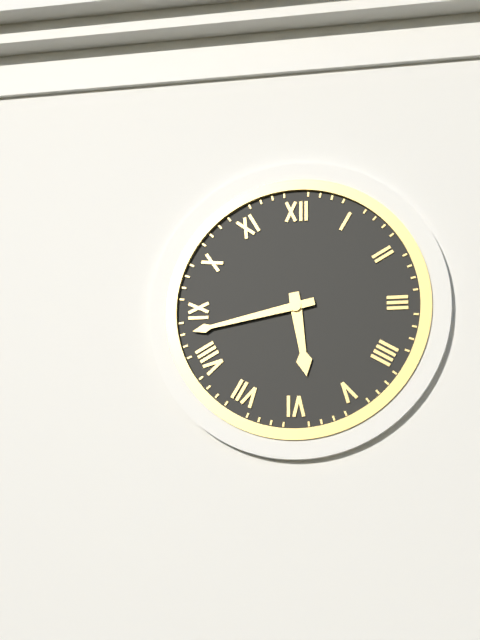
5:43
